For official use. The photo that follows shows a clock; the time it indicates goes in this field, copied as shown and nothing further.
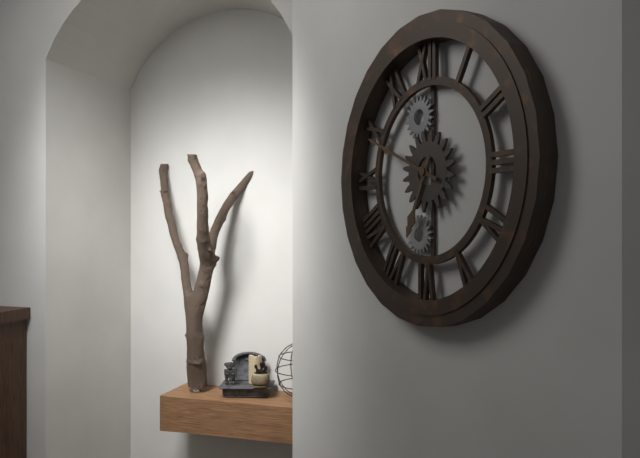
6:49
